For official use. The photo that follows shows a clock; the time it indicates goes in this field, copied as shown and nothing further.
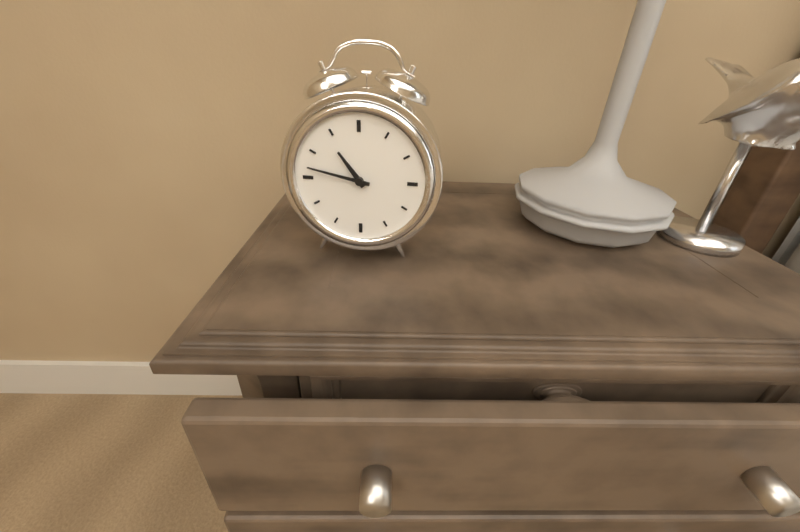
10:47
